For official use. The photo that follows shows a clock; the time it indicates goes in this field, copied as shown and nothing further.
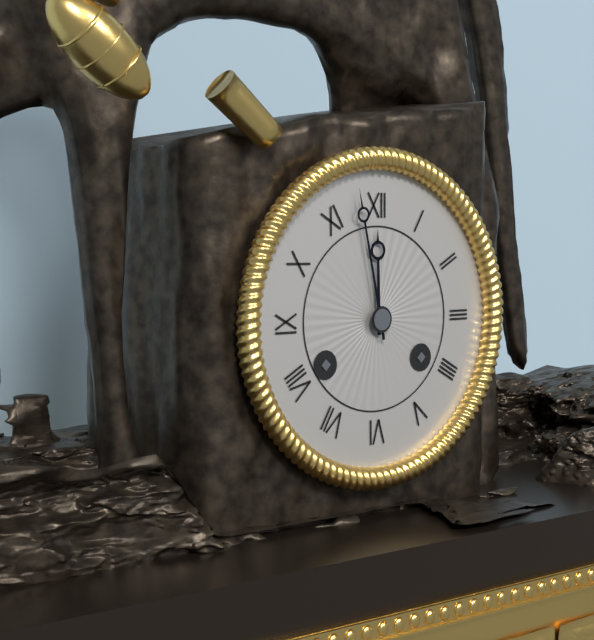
11:58
